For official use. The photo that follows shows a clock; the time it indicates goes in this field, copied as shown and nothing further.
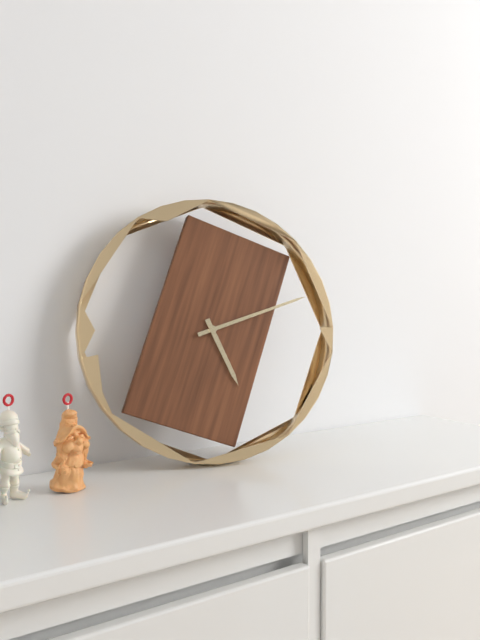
5:12
